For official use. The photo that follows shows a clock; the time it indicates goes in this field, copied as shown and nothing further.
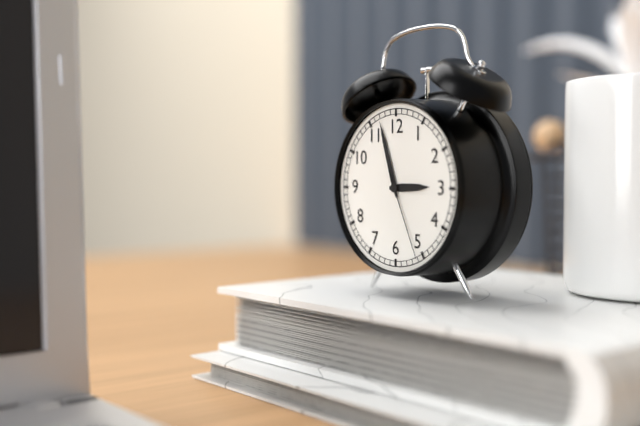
2:57:26
